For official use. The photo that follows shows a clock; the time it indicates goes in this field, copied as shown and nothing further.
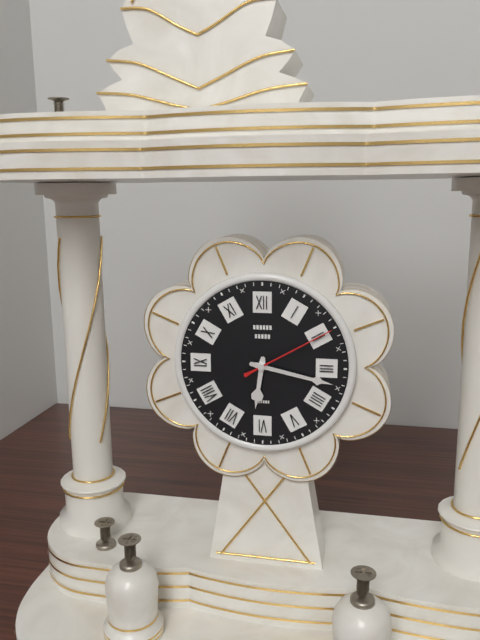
6:17:10
